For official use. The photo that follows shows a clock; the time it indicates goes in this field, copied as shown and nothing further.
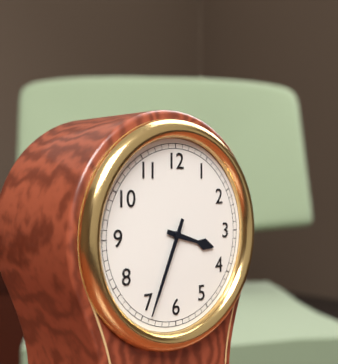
3:34
